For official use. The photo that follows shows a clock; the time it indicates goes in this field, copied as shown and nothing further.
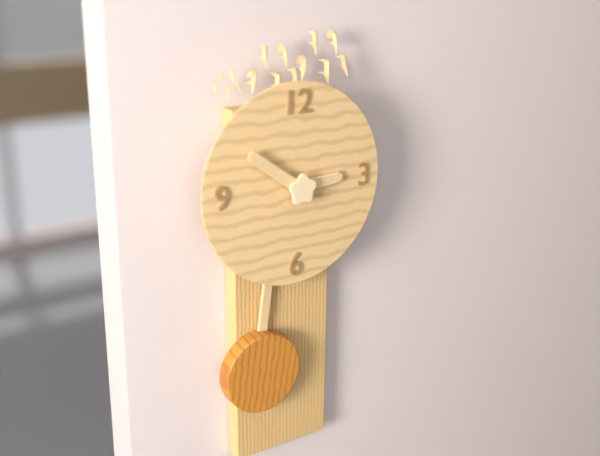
2:51
